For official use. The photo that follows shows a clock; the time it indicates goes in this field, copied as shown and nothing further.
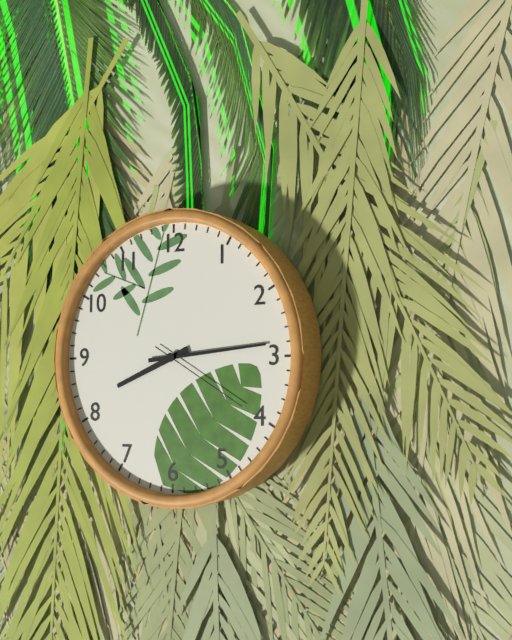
8:14:20
